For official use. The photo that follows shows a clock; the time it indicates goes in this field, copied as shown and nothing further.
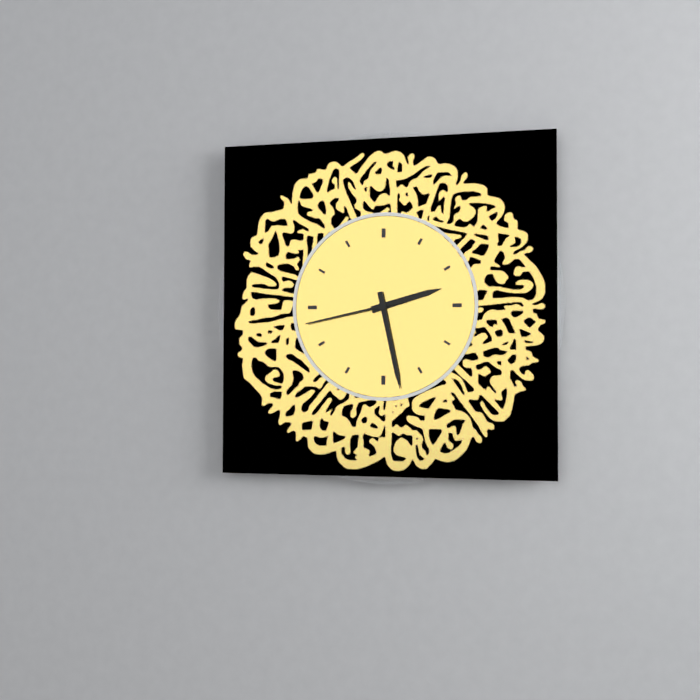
2:28:43
